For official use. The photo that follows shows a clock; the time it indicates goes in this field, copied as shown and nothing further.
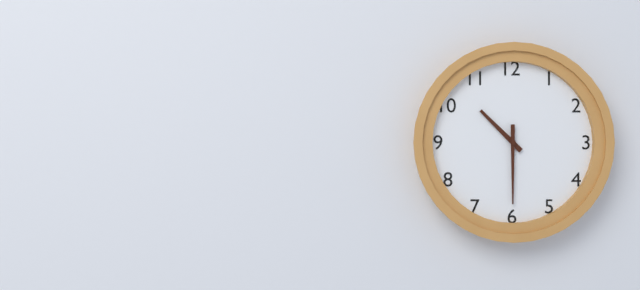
10:30
